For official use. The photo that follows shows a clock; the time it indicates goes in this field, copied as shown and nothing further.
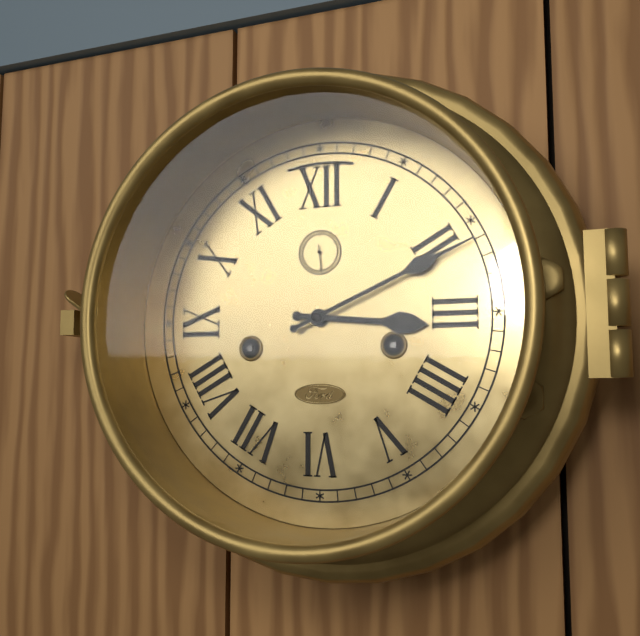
3:11
